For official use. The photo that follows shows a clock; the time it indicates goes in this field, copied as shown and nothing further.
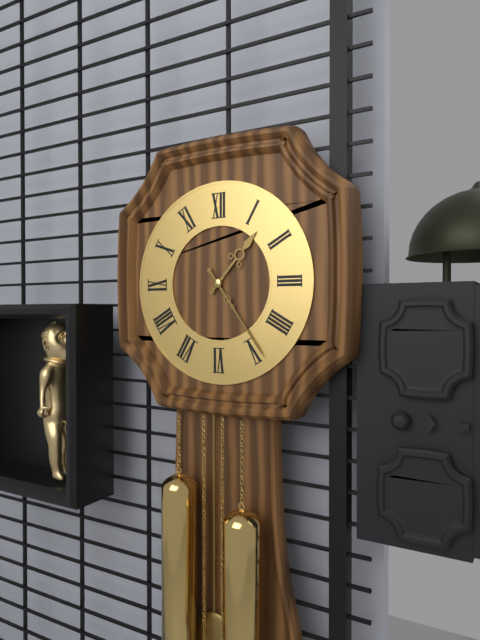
1:24
